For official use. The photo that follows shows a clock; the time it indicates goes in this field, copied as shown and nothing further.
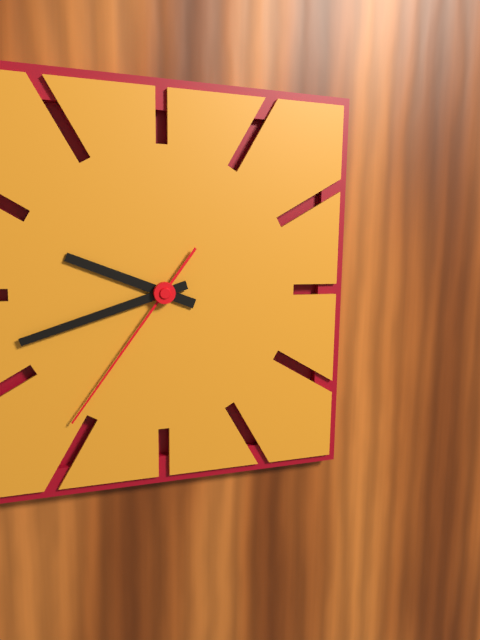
9:42:36
